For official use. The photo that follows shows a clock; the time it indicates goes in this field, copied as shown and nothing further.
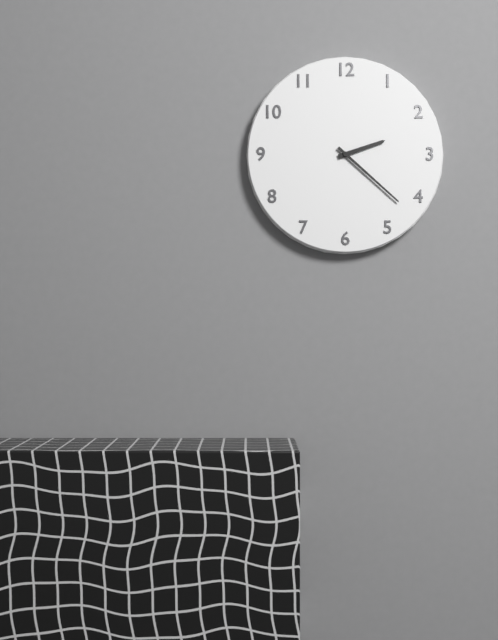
2:22
